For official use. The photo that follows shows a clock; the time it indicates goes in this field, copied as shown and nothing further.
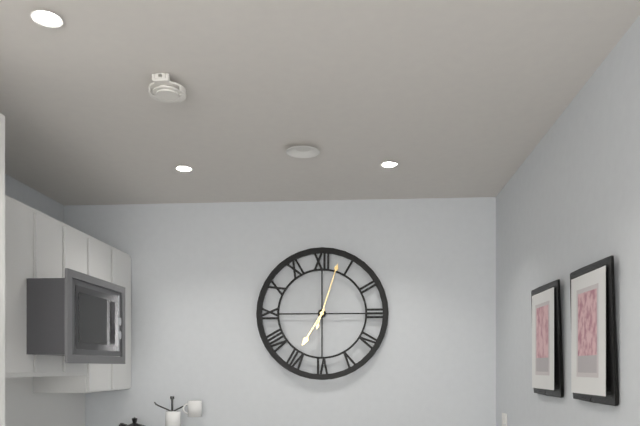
7:03
